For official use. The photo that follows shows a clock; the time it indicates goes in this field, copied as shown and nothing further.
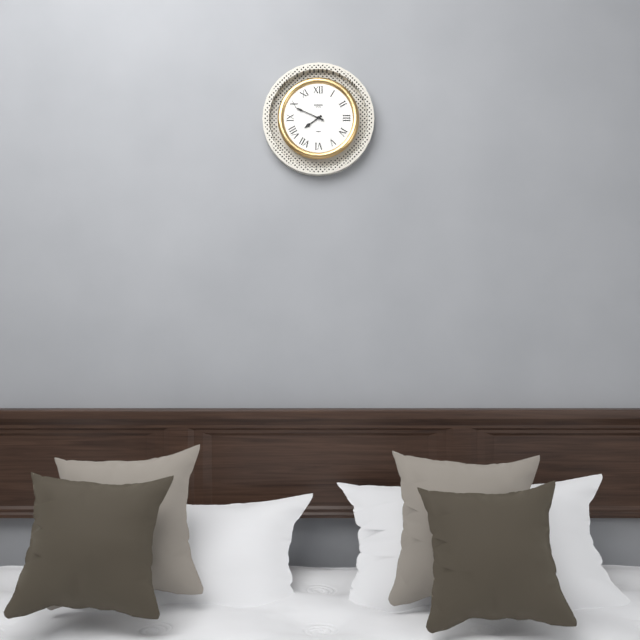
7:49
